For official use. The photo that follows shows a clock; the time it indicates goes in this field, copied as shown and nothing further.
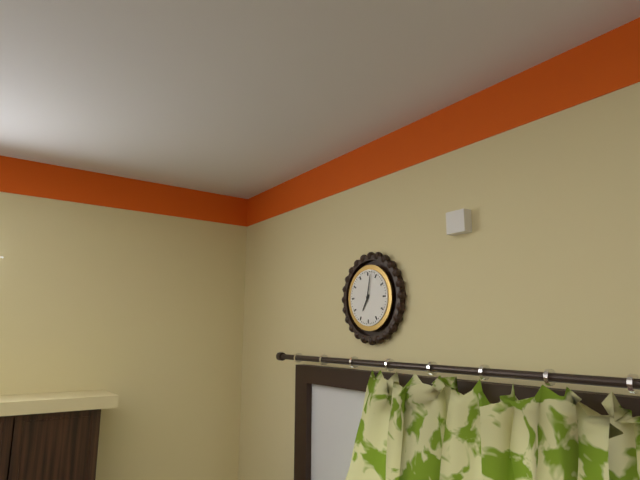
7:02
